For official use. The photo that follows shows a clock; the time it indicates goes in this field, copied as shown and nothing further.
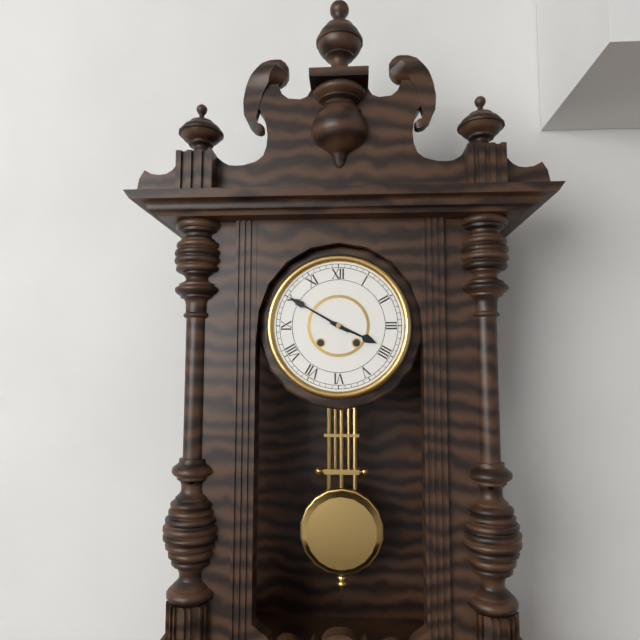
3:50
